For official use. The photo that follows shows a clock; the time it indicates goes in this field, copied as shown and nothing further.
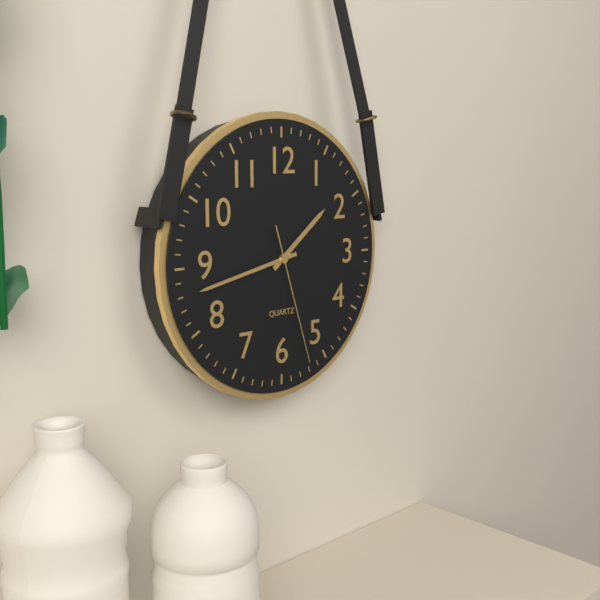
1:43:27
